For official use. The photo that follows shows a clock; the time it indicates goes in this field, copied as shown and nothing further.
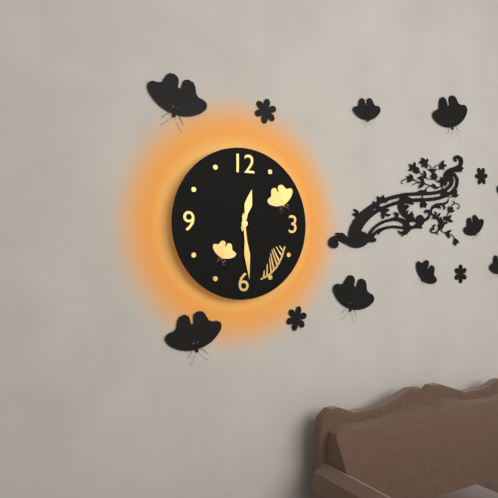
12:29
